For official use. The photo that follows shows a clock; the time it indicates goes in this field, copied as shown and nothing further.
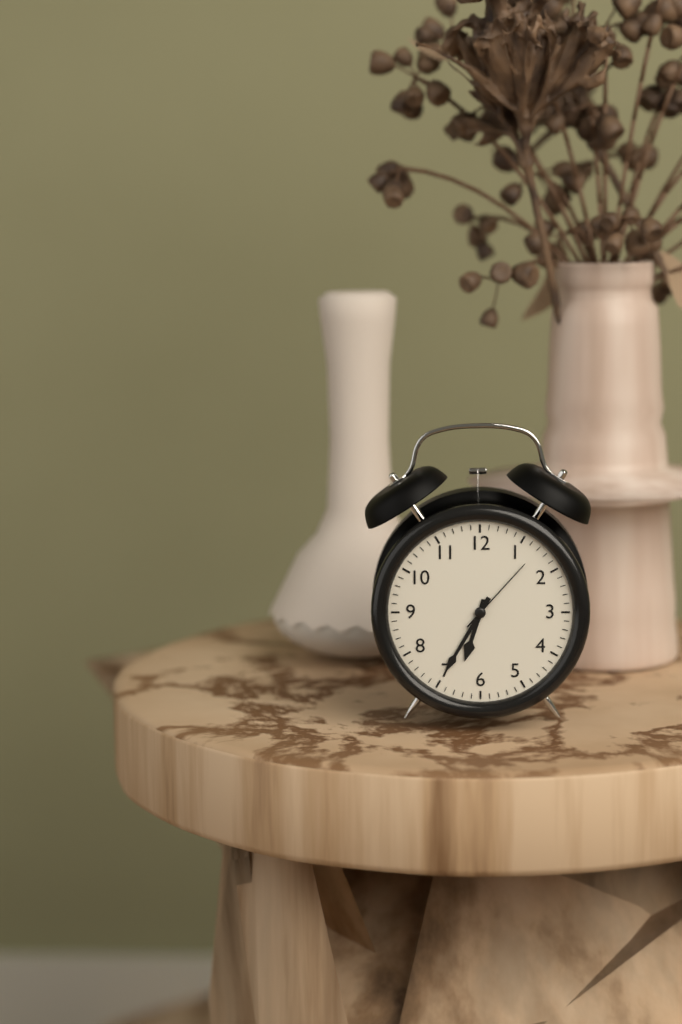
6:35:07
